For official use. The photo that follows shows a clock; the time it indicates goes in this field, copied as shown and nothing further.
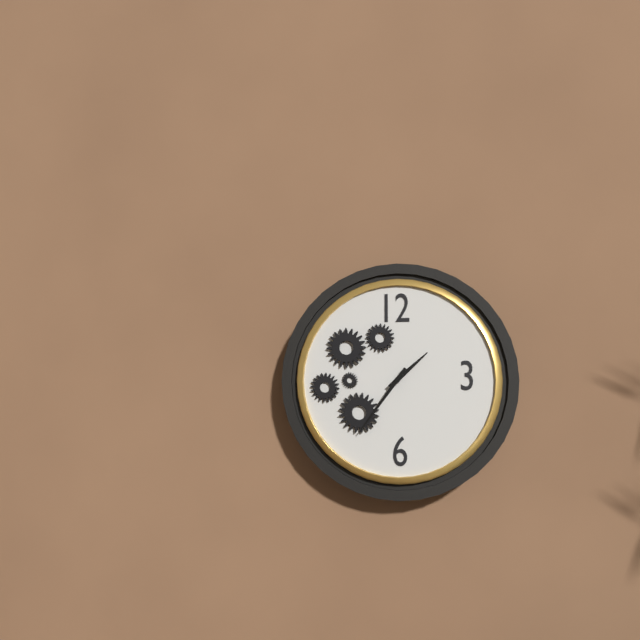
1:36
